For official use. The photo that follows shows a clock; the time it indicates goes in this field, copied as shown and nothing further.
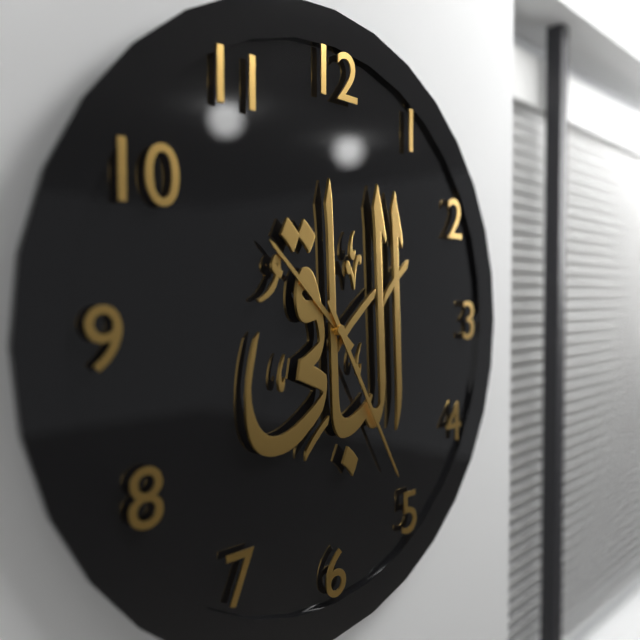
10:25
